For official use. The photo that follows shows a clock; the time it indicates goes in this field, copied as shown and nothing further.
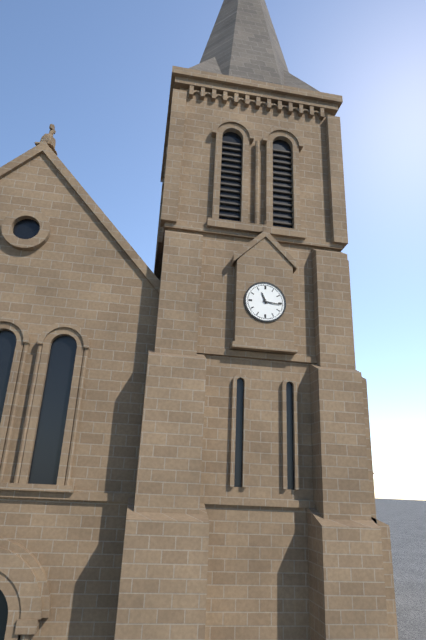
11:16
